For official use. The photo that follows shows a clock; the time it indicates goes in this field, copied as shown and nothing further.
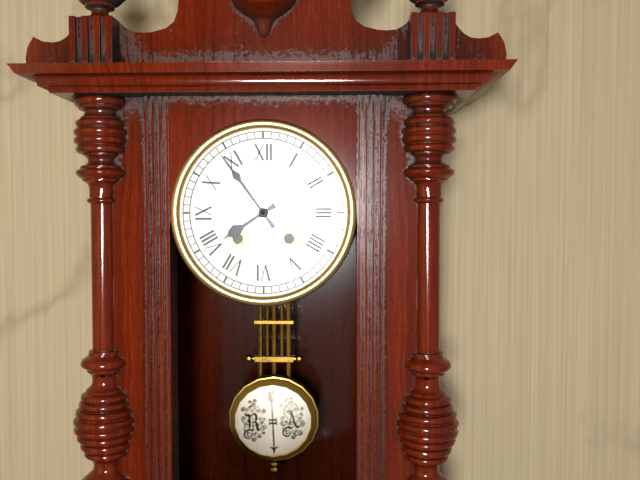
7:54
